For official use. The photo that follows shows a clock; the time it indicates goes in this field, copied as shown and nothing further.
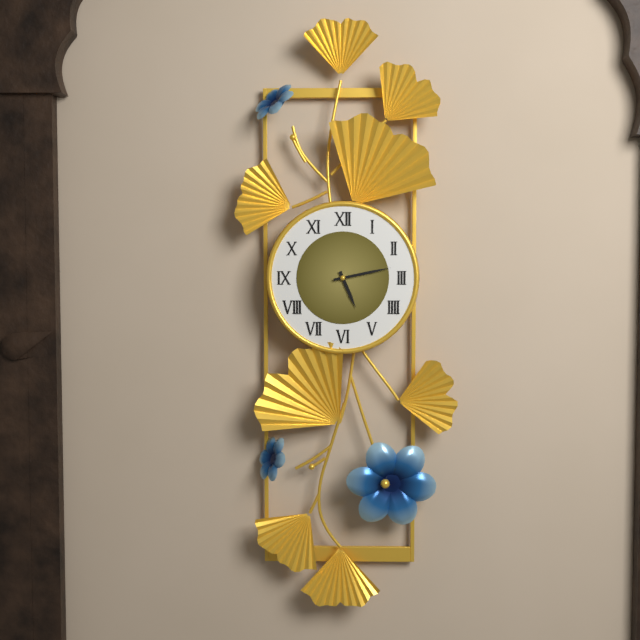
5:13
